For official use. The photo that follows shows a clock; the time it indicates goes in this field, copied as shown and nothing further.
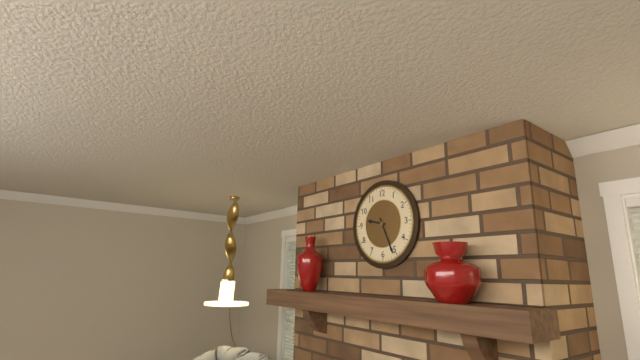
9:26
